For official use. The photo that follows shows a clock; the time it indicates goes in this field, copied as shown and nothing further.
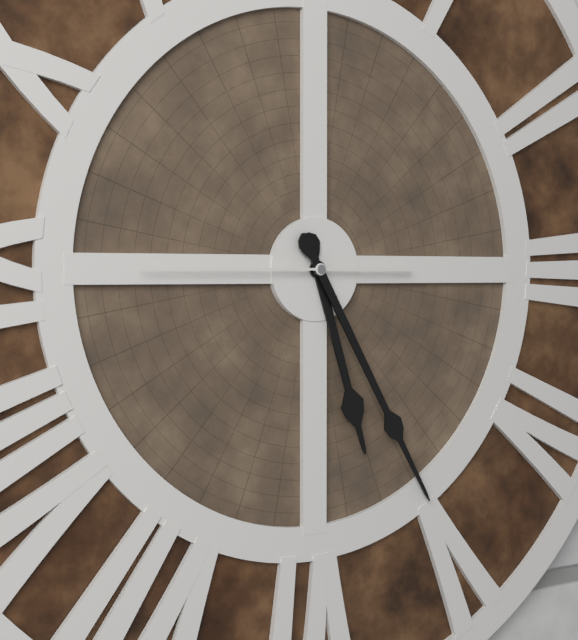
5:25:45
